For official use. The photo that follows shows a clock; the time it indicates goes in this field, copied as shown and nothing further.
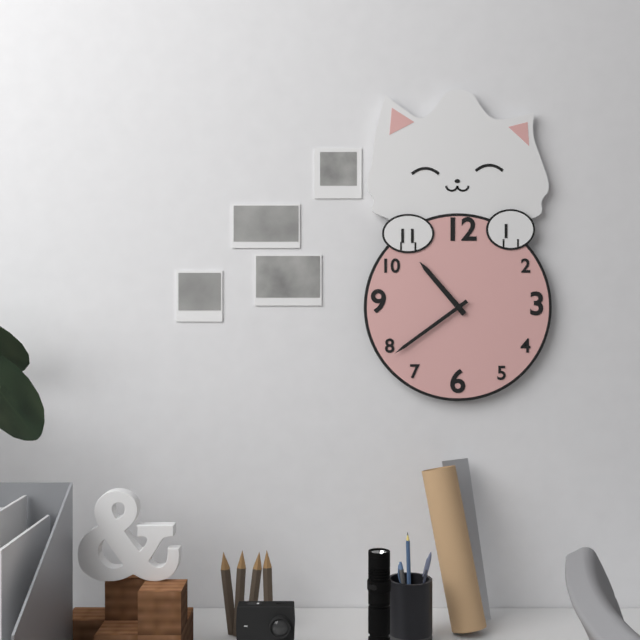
10:39
